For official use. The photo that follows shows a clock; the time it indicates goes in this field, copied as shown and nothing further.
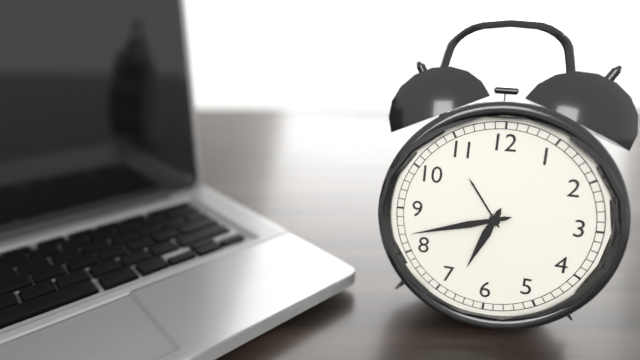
6:42
